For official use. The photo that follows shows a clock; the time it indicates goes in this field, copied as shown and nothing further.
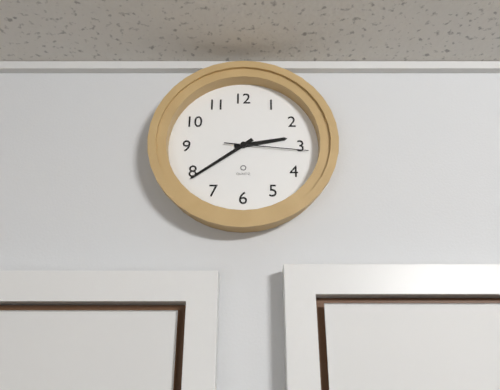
2:39:16
